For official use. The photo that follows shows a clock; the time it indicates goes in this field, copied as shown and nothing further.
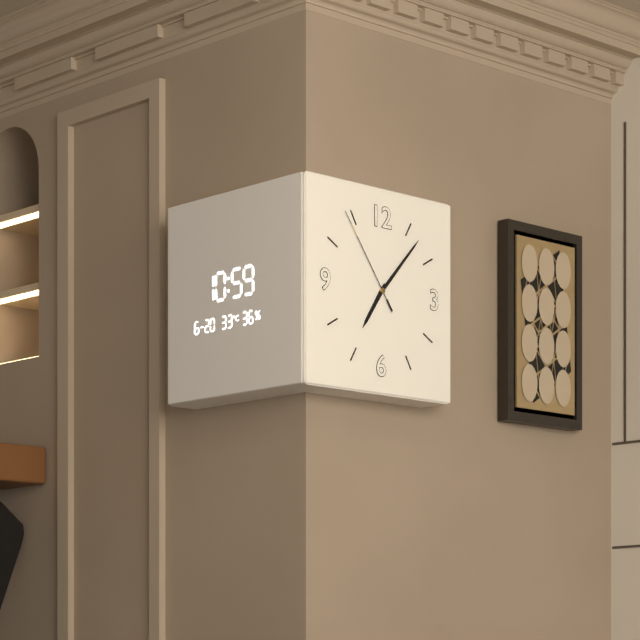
7:07:54
